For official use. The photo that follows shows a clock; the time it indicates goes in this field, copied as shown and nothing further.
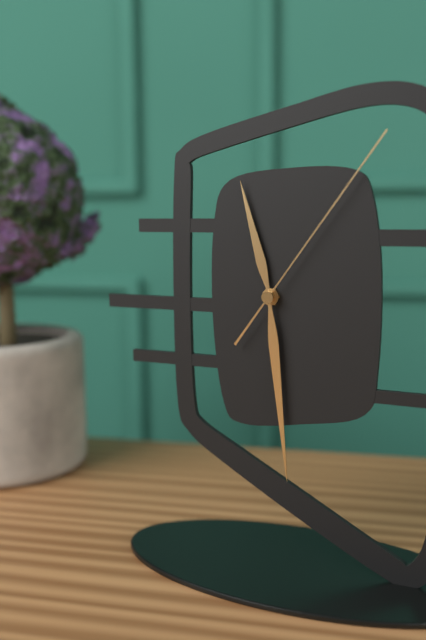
11:29:06
